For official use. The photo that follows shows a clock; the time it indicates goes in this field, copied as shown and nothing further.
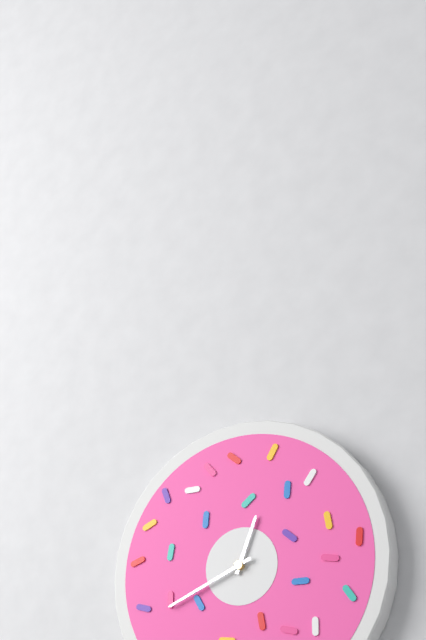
12:41
